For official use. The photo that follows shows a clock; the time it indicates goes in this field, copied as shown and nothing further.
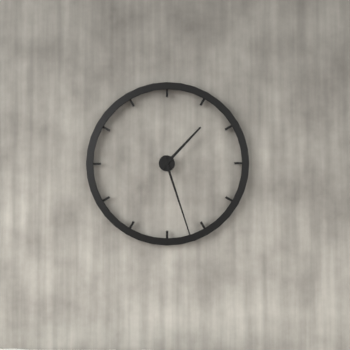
1:27
